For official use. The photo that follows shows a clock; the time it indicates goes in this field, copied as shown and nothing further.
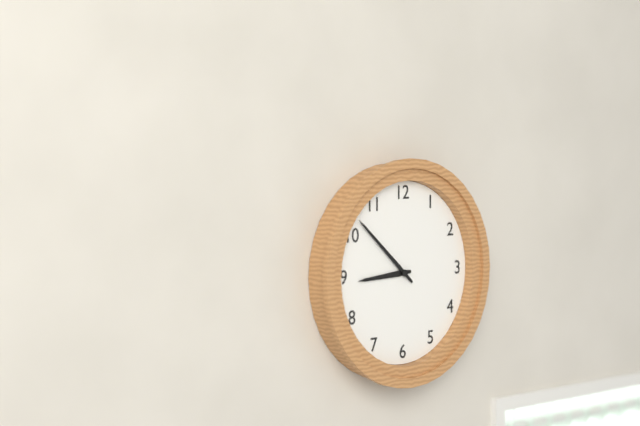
8:52
